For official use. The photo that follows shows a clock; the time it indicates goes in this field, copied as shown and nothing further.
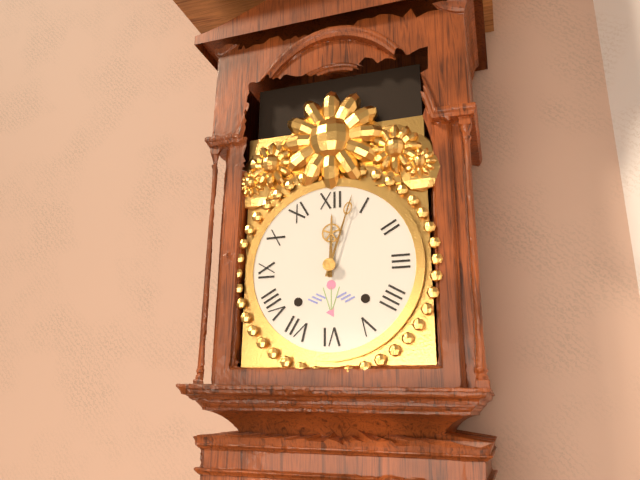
12:03
